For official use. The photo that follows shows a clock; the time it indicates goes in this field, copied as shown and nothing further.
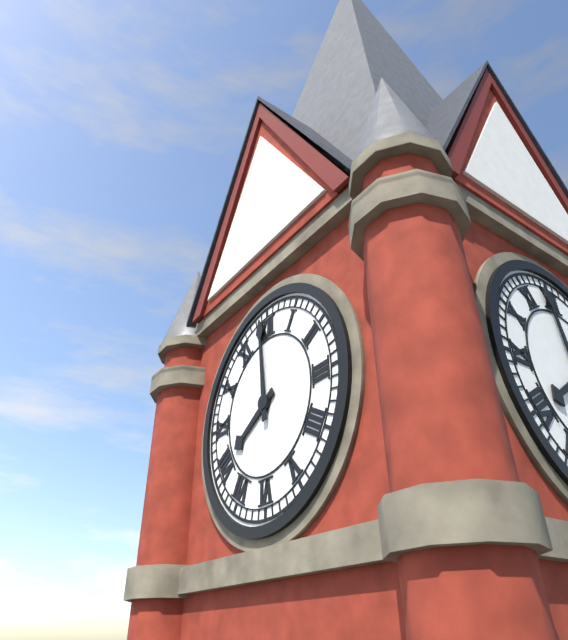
7:59
